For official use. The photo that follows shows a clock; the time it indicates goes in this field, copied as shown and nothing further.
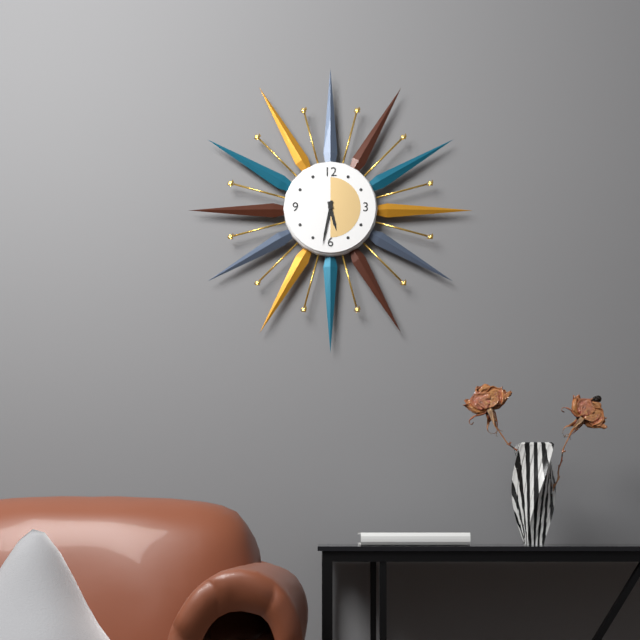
5:32
